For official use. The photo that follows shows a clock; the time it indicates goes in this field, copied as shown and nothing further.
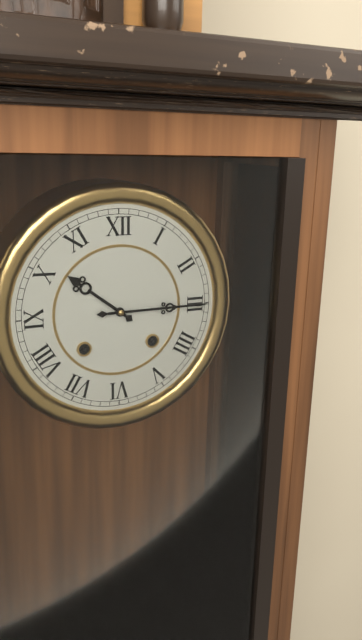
10:15
